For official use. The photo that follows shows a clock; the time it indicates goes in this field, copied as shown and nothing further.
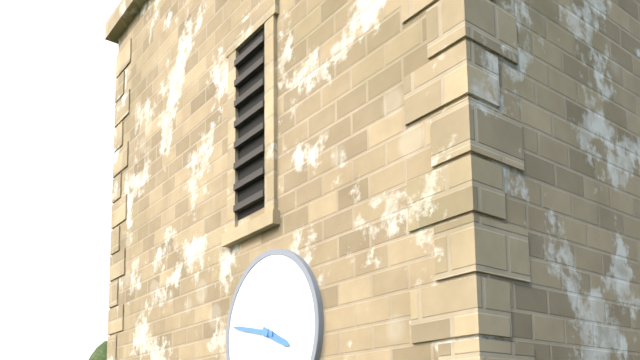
3:47
